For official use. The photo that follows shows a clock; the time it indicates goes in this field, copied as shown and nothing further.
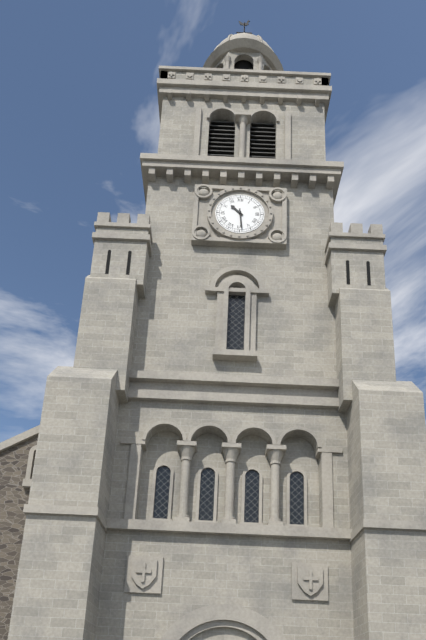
10:29
